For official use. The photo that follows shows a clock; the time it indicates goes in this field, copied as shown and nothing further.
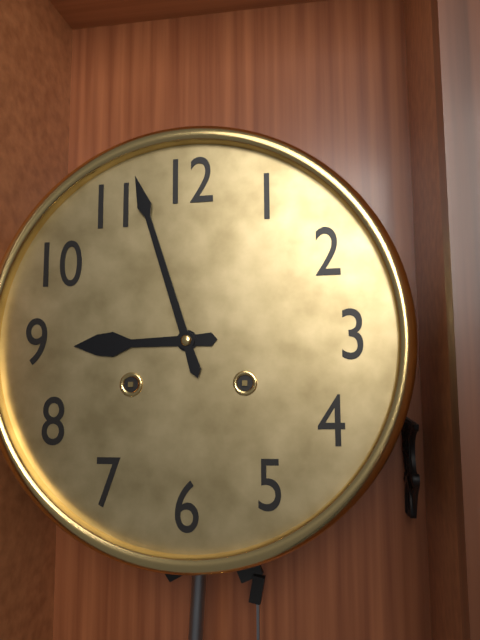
8:57
